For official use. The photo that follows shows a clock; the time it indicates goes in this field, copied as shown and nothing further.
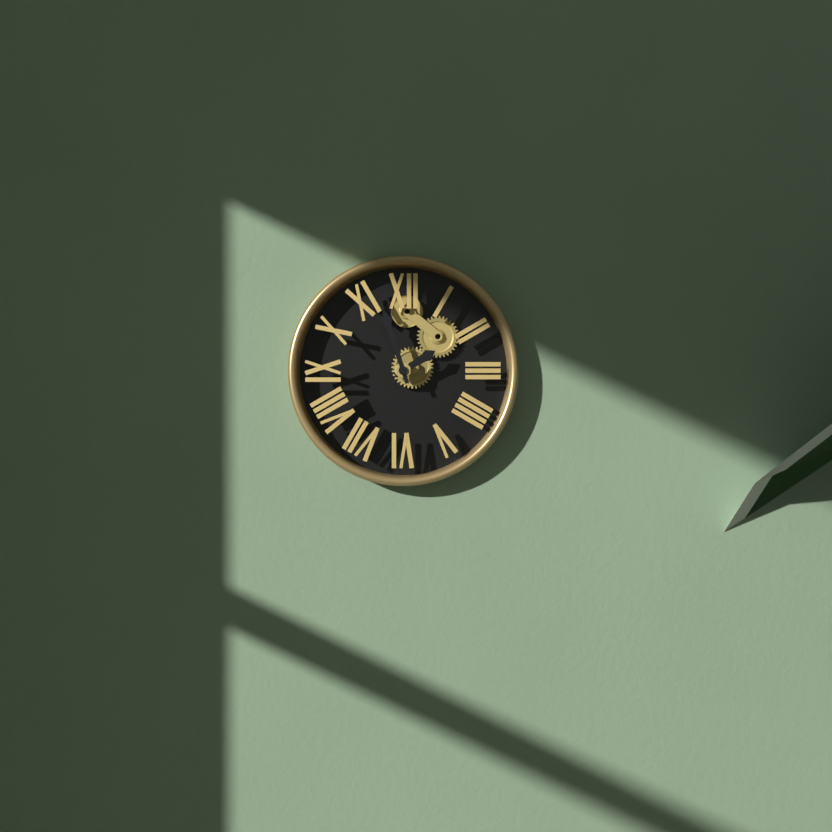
1:57
